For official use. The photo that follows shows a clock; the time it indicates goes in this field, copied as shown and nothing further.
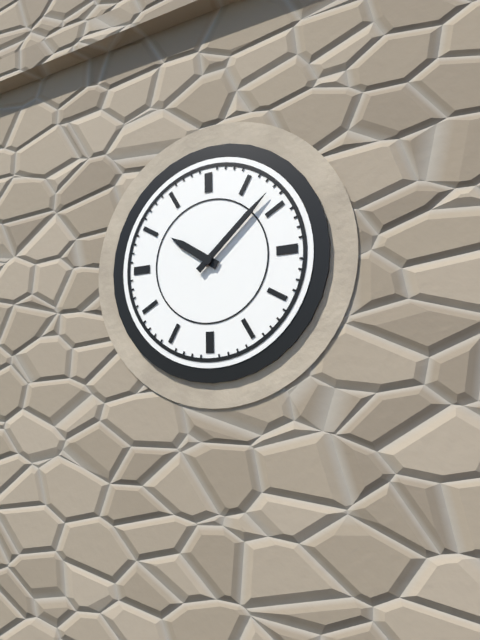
10:08
